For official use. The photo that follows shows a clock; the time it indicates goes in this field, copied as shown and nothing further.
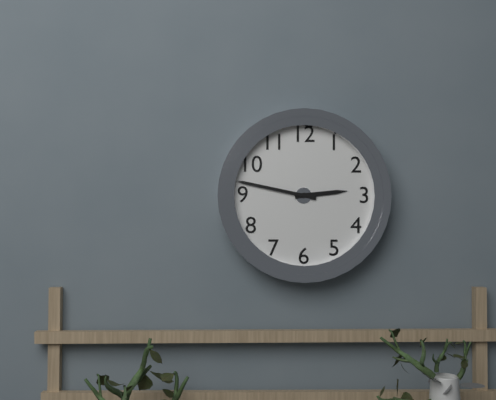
2:47
